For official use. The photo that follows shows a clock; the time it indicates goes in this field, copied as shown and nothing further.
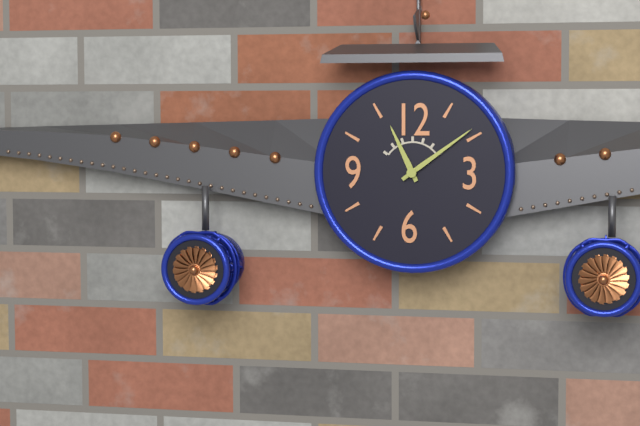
11:09
